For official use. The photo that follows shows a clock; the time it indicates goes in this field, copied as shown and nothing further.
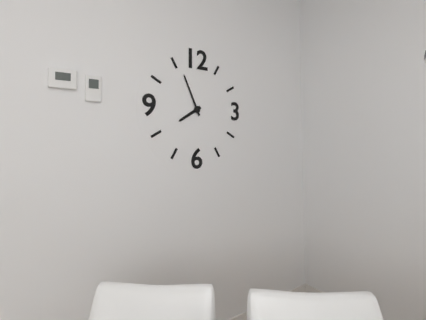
7:56
